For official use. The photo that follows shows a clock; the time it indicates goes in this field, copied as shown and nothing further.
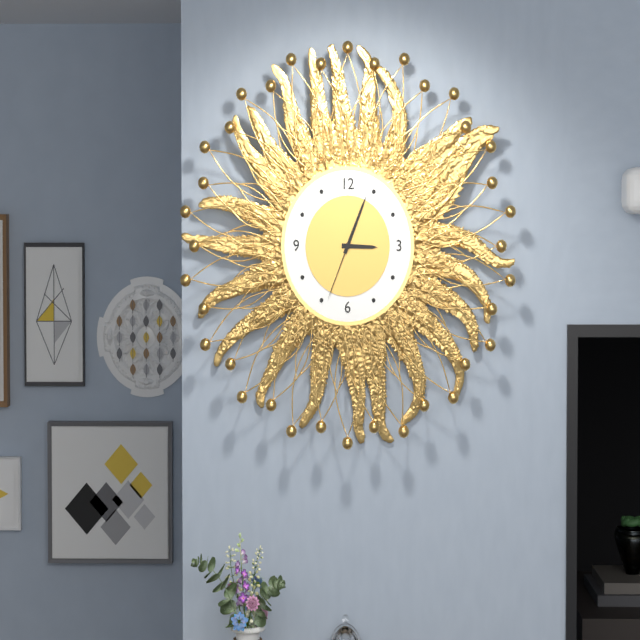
3:04:34
